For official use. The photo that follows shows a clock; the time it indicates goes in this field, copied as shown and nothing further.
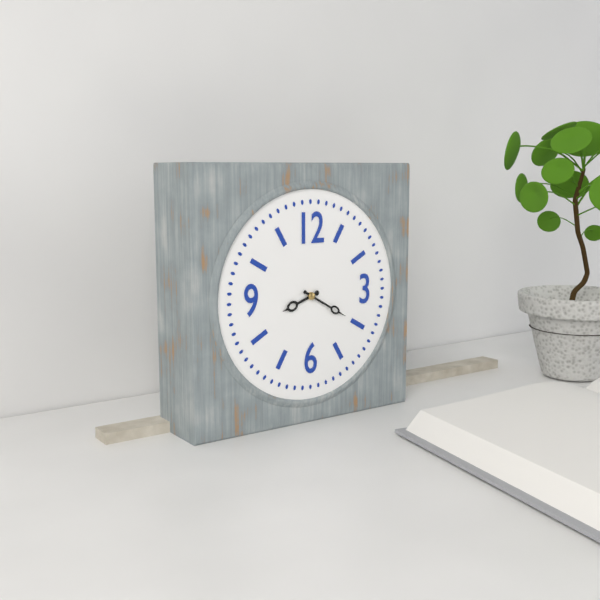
8:20
